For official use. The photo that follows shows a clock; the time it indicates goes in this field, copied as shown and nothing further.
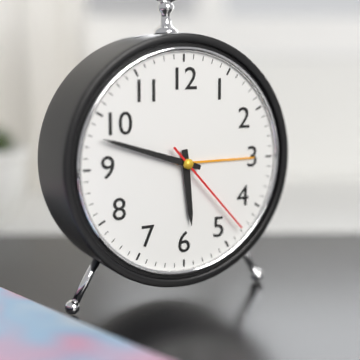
5:48:23
